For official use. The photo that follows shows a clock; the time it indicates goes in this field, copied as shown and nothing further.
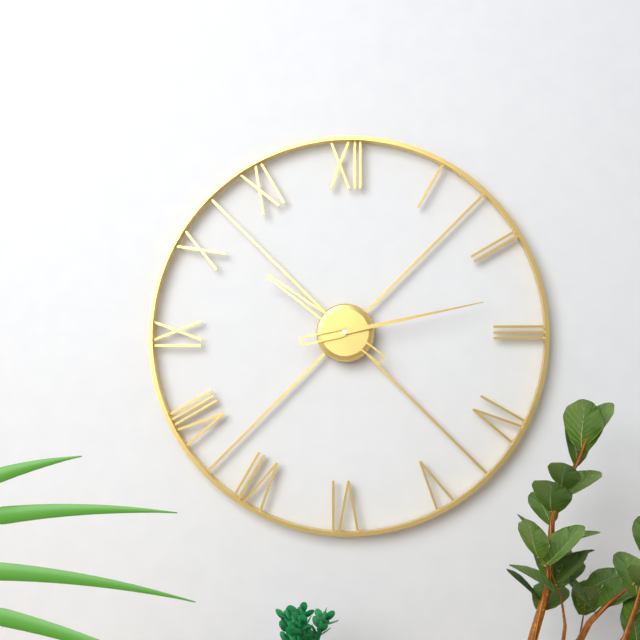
10:13
